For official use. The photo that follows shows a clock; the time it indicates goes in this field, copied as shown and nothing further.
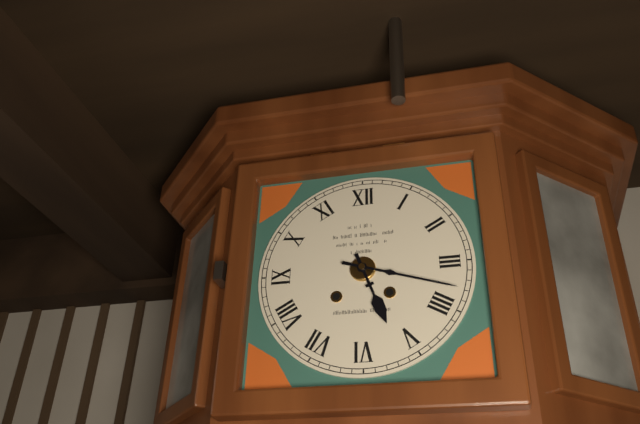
5:18
